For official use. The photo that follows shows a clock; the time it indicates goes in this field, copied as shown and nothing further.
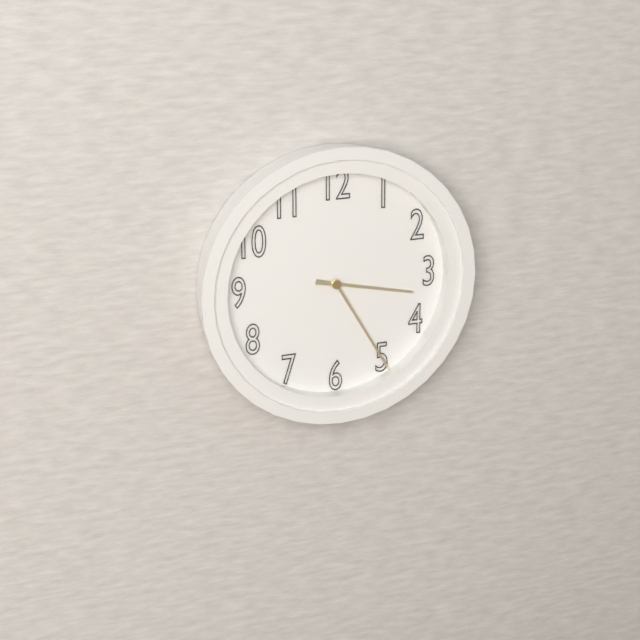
3:25
